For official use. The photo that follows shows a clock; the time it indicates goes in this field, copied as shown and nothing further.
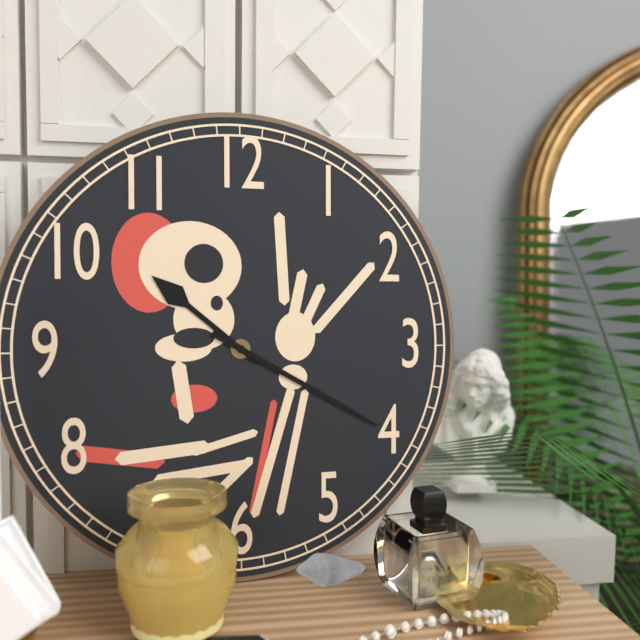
10:20
